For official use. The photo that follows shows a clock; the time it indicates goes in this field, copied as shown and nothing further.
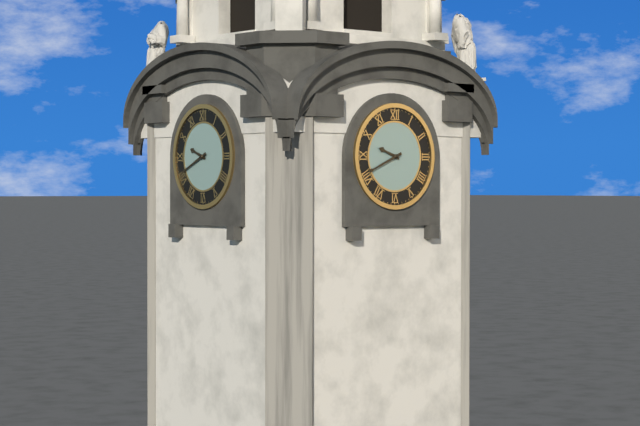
9:41
